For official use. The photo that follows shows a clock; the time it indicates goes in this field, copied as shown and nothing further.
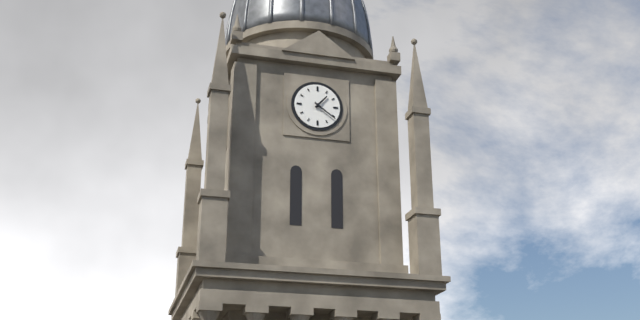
1:21
